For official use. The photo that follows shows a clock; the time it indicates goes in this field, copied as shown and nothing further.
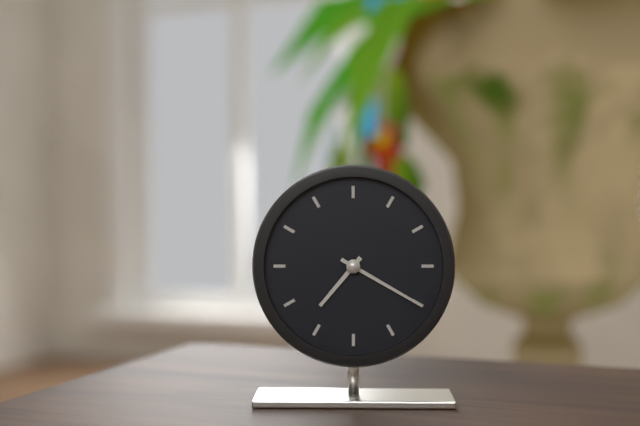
7:20
